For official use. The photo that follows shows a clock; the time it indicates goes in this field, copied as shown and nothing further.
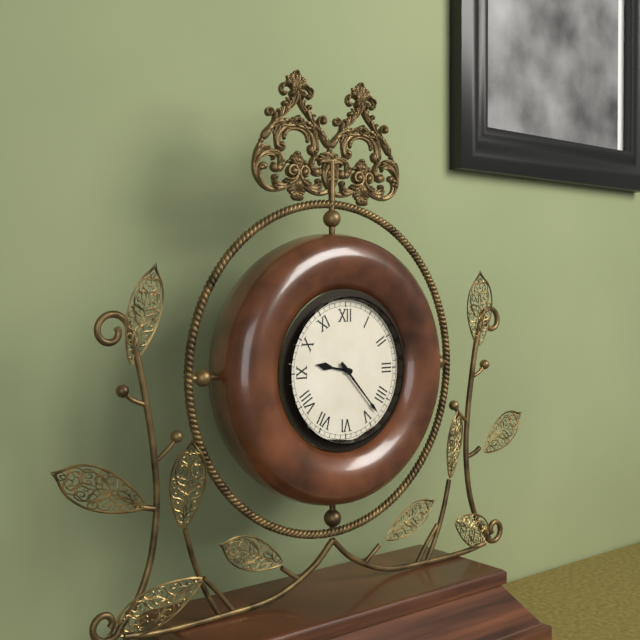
9:23
